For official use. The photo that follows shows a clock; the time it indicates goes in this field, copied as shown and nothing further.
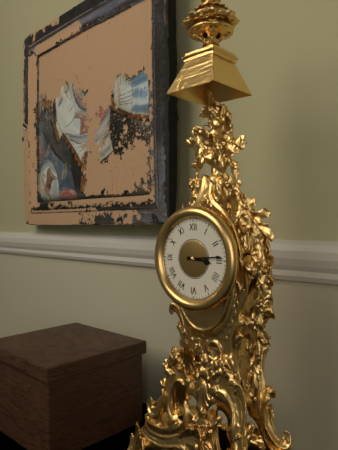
3:14
